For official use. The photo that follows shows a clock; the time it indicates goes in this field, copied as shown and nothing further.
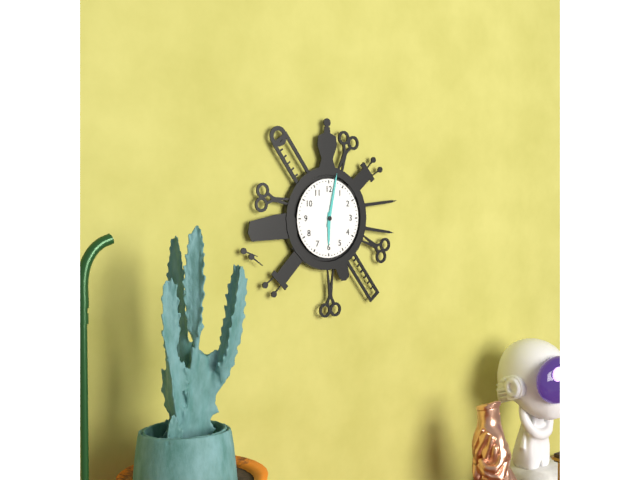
6:02
